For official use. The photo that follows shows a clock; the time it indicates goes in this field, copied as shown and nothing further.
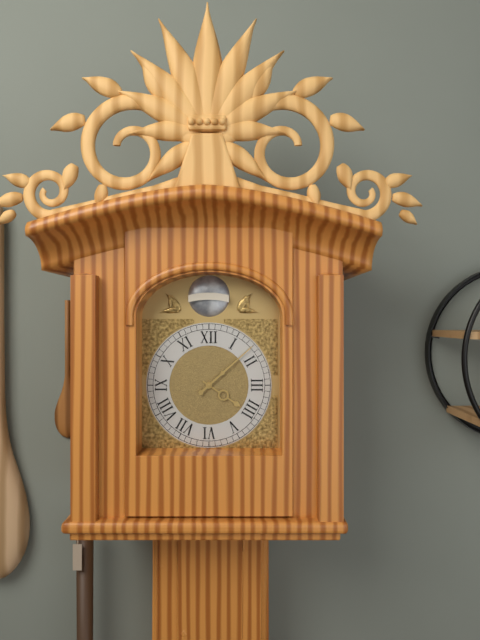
4:08
